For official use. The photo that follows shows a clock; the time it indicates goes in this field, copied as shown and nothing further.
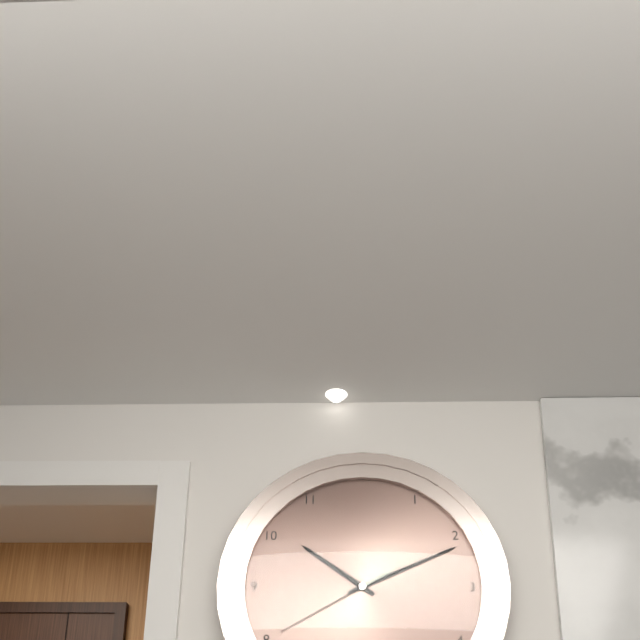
10:11:40
